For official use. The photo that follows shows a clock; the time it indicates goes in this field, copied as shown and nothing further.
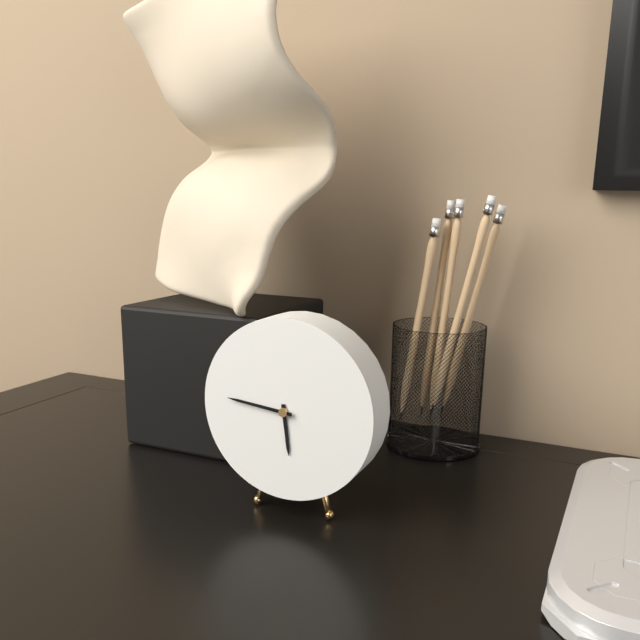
5:46
